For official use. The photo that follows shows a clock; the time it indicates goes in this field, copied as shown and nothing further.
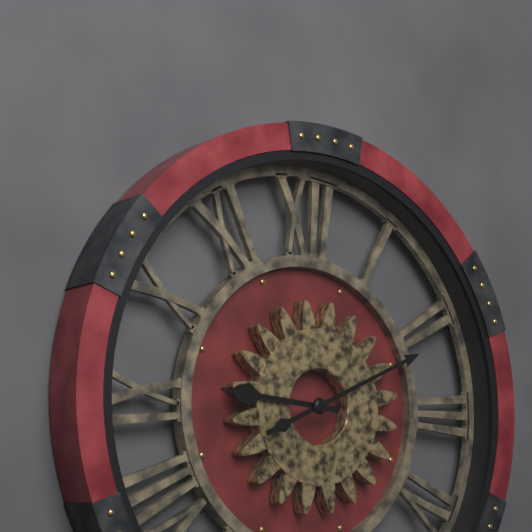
9:11
